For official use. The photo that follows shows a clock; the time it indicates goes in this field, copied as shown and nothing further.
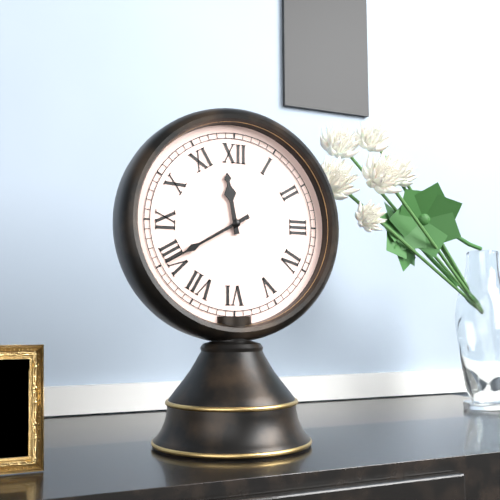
11:40
